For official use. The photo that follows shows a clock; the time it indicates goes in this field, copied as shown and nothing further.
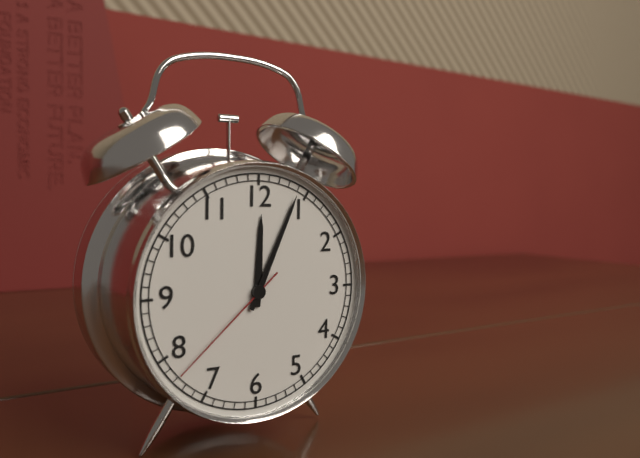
12:04:38
